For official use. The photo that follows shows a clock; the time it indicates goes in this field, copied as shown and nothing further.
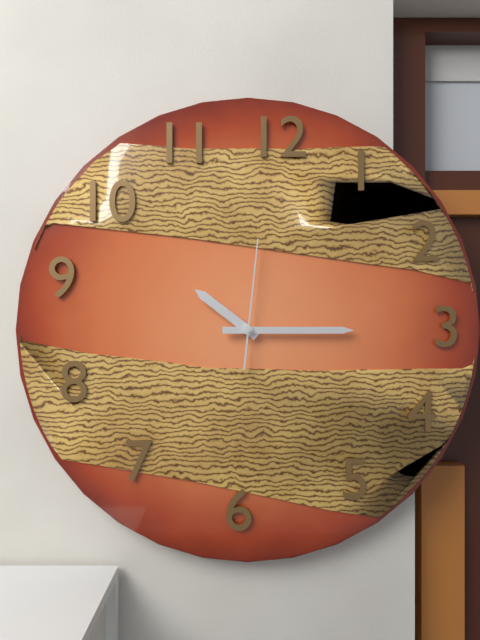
10:15:01
